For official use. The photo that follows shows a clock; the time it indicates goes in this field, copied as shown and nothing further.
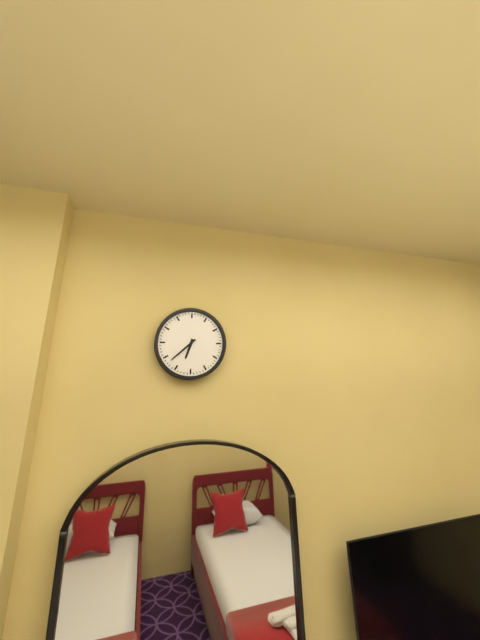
6:38
